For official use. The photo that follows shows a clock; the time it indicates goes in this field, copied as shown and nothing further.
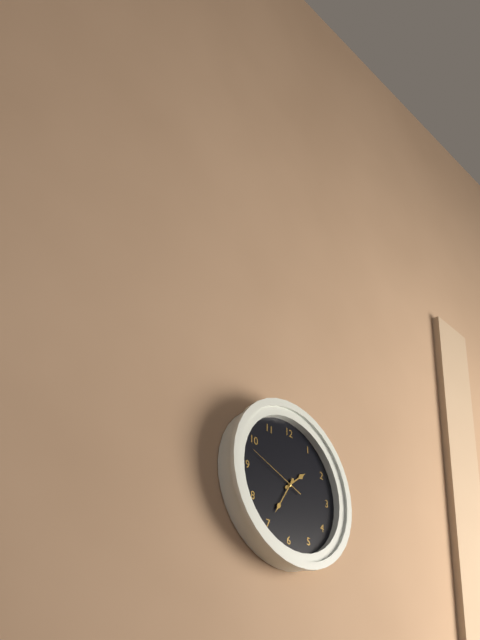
1:35:48
